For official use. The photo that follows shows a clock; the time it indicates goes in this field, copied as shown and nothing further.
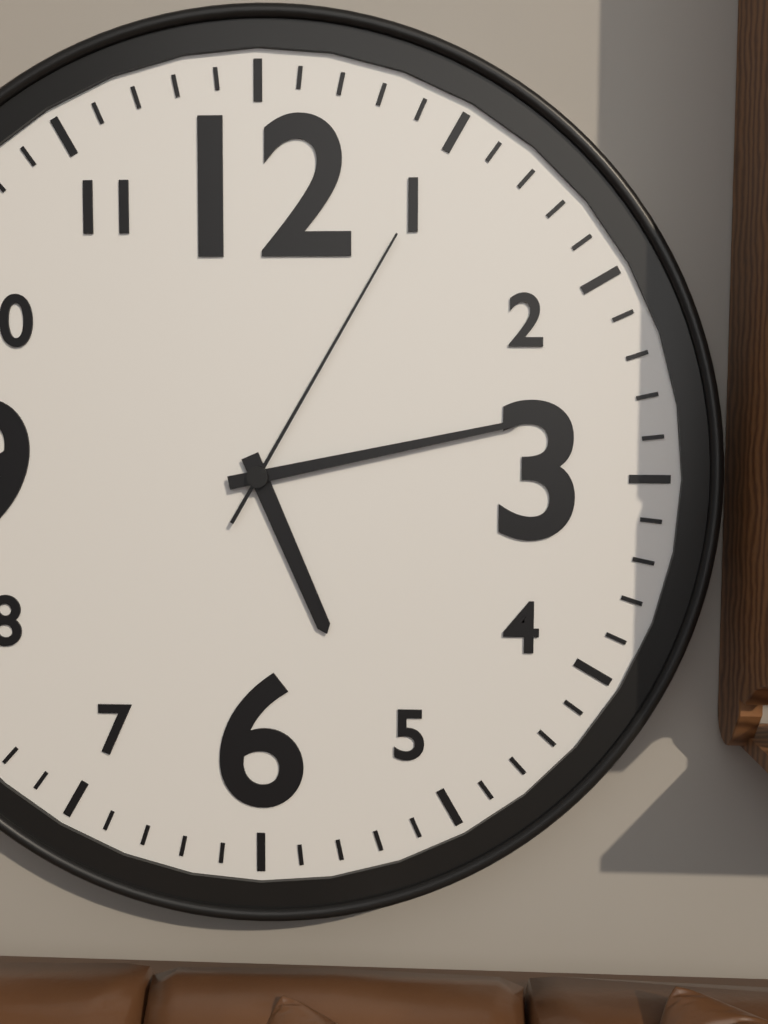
5:13:05
